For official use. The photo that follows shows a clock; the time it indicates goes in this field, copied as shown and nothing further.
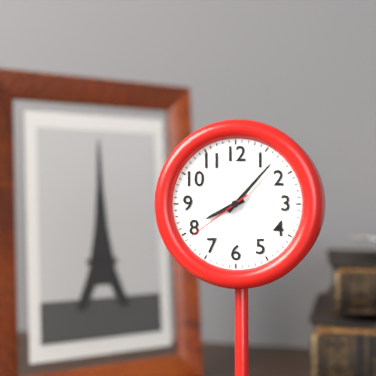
8:07:39
